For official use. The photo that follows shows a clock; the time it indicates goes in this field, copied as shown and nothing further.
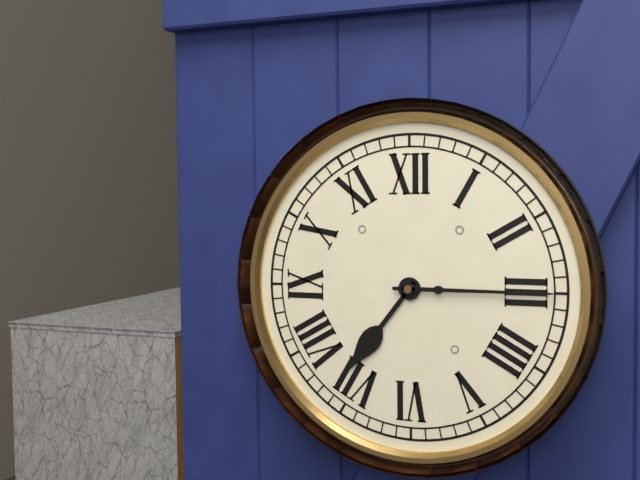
7:15
